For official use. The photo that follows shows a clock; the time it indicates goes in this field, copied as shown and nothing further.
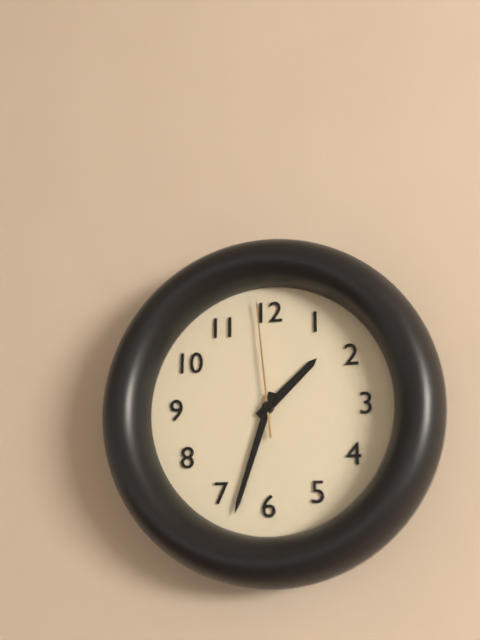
1:33:59
